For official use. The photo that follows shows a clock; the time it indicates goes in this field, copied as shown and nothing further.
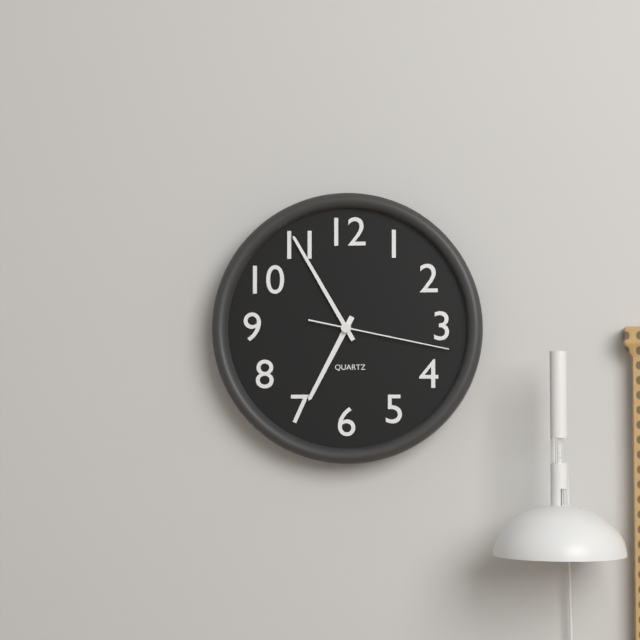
6:55:17
